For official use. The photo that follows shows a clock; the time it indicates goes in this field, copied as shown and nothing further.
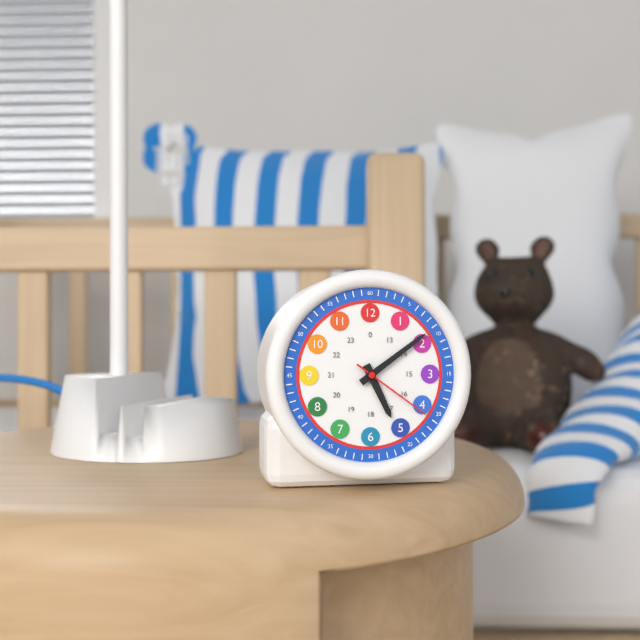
5:09:21
